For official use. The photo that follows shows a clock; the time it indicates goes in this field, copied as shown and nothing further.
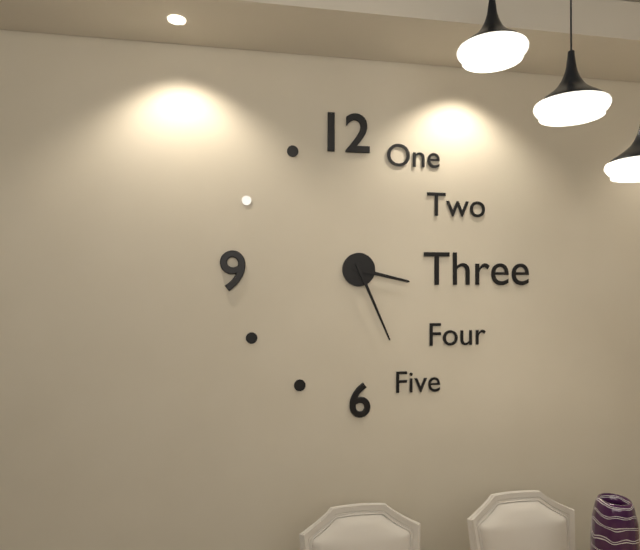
3:26
